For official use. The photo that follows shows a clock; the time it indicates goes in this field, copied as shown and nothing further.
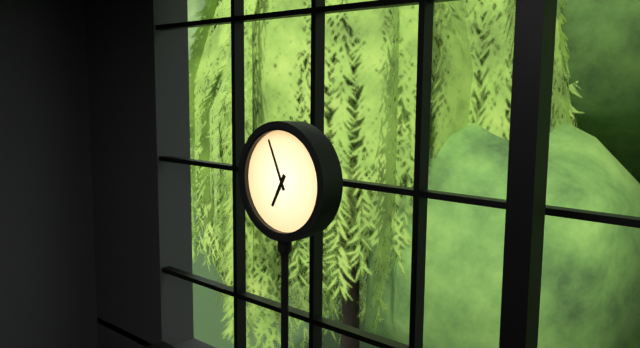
6:56
